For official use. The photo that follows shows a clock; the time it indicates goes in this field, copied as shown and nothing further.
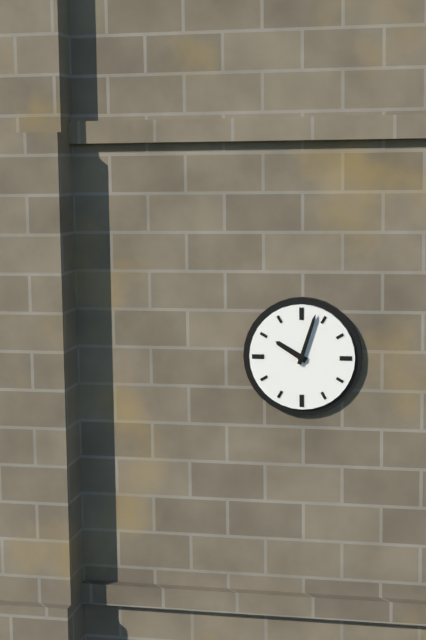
10:03
